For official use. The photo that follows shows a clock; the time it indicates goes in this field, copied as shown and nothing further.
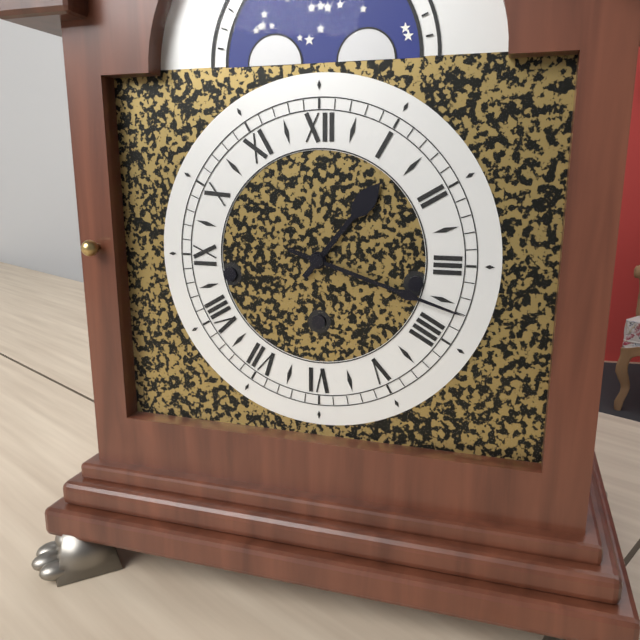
1:18
